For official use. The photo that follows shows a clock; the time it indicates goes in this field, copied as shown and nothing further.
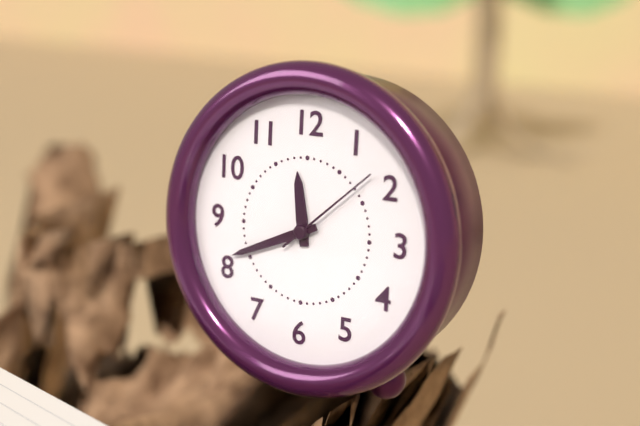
11:41:08
